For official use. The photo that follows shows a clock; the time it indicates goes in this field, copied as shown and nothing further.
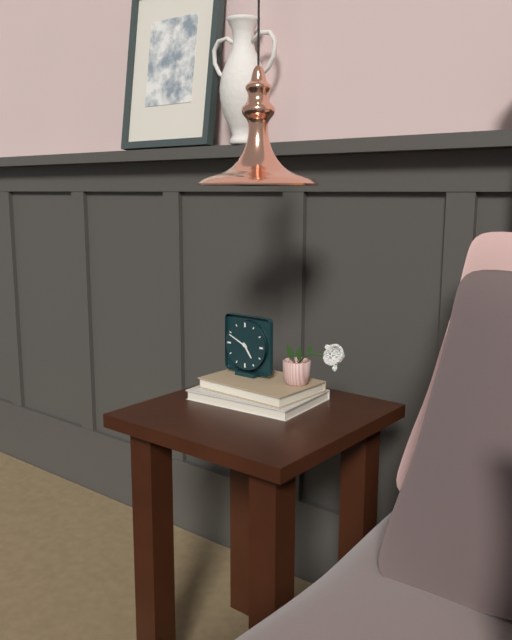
4:49
